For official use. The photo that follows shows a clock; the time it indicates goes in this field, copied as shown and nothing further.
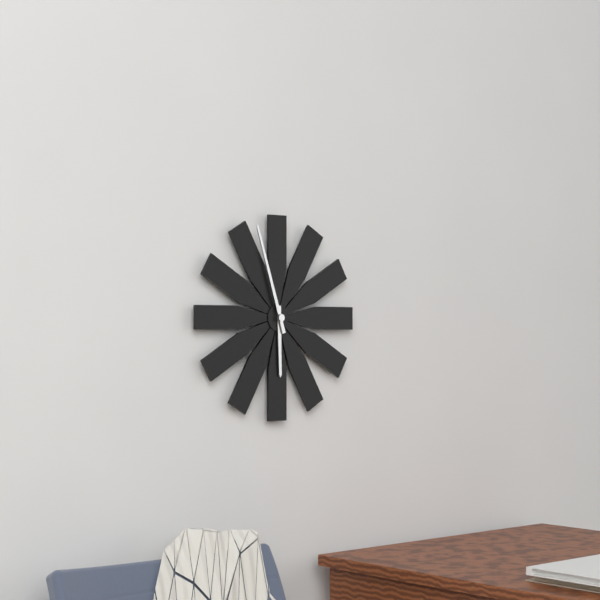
5:57
